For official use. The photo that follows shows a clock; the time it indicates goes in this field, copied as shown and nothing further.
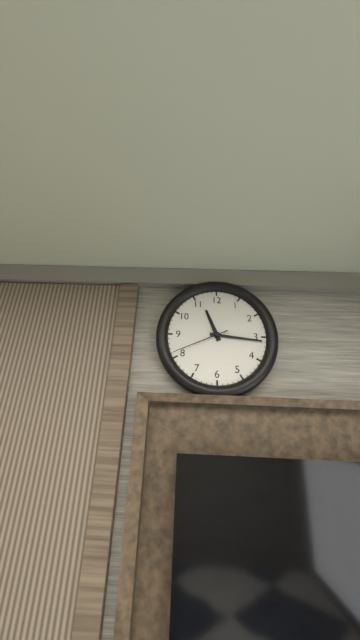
11:16:41
